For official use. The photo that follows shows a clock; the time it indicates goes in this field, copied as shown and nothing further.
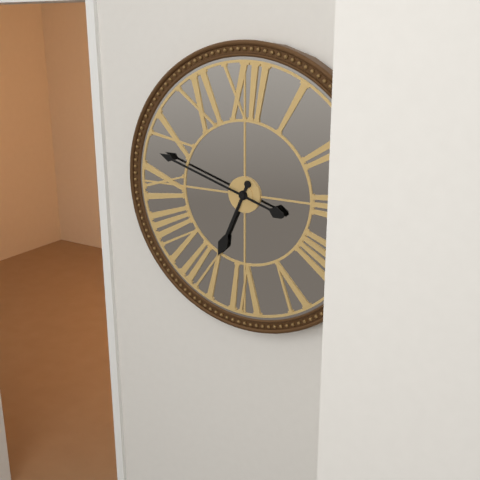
6:48
